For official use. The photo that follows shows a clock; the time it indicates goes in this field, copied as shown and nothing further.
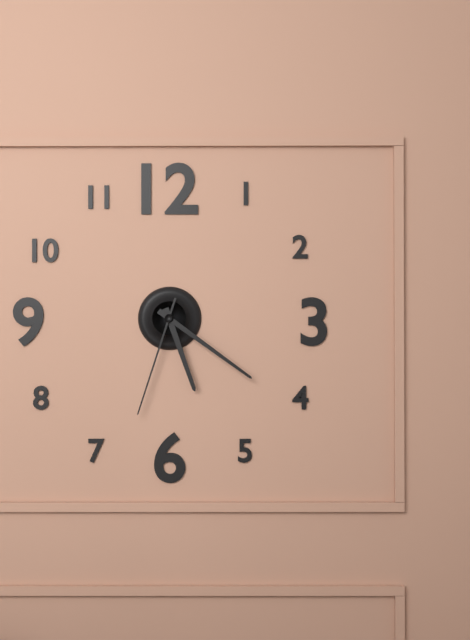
5:21:33
